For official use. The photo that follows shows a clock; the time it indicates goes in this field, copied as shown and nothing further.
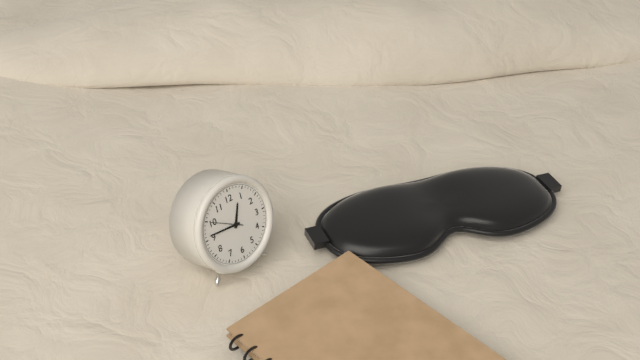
12:46
